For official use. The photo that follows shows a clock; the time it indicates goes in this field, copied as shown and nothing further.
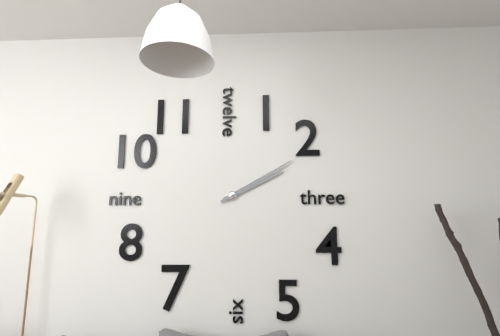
2:10
